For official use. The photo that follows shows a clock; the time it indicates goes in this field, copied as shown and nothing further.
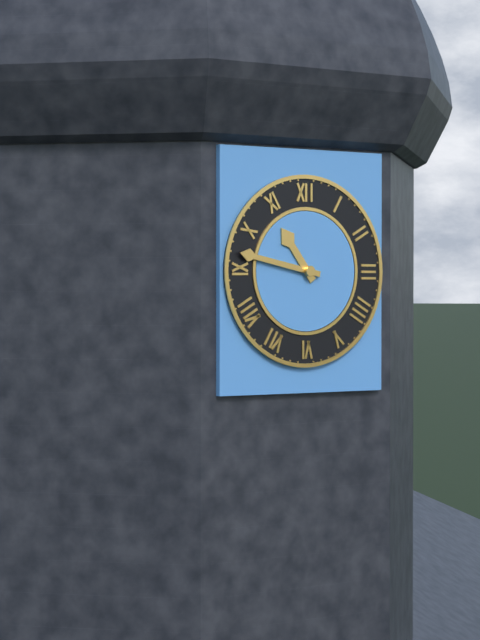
10:47
